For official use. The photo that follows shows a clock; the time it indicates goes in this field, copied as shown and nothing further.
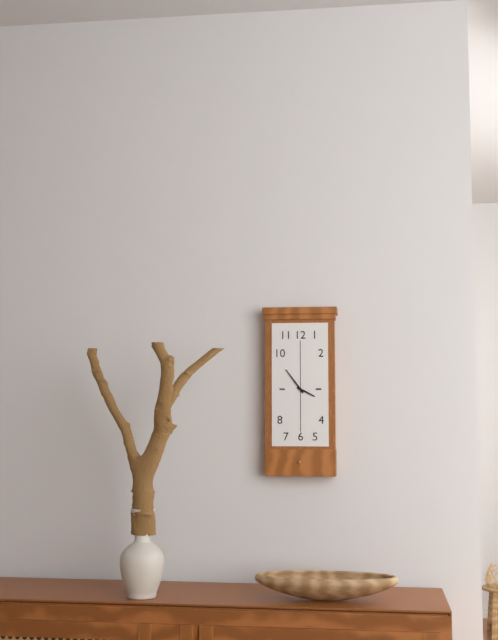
3:54
